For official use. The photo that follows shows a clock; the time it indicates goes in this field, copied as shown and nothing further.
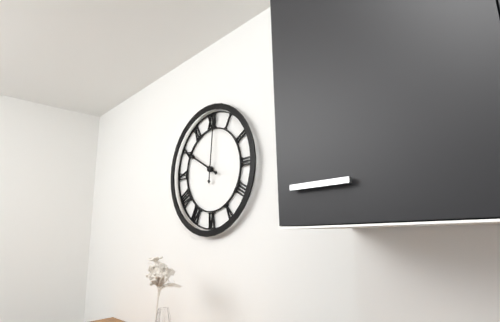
10:01
